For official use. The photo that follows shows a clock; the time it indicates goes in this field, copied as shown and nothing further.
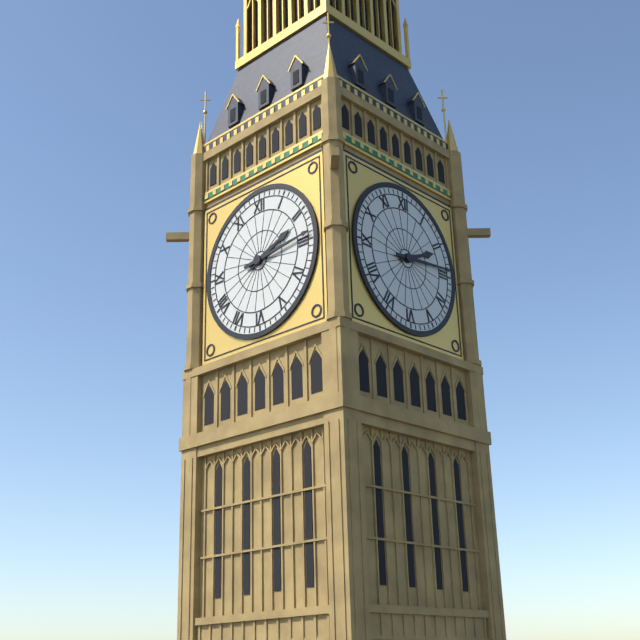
2:14
